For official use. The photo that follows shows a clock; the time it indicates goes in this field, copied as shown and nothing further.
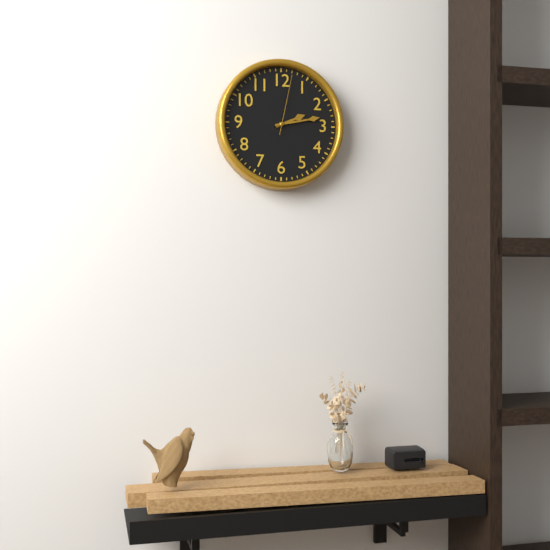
2:13:02
